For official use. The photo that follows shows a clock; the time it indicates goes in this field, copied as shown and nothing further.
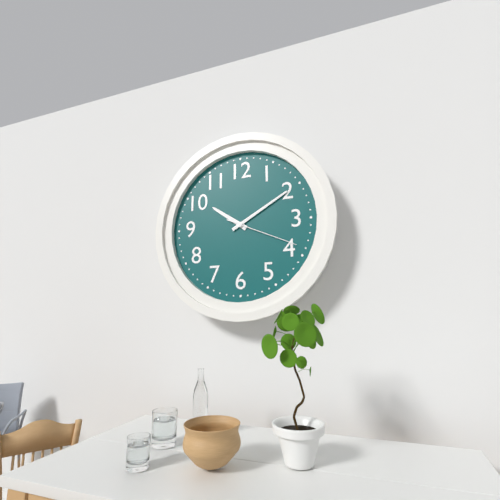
10:10:19
